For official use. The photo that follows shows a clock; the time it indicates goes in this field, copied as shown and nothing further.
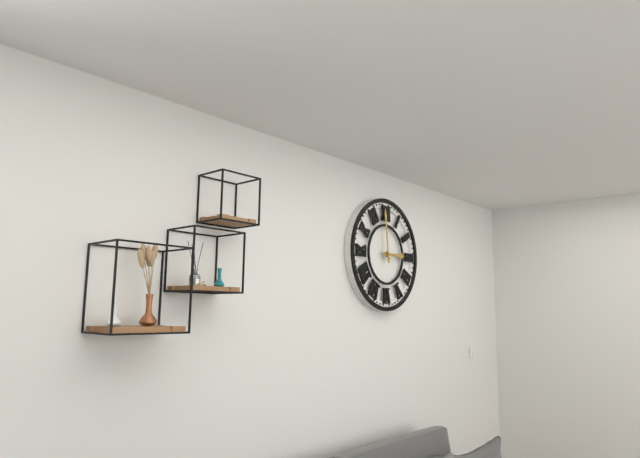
2:59
